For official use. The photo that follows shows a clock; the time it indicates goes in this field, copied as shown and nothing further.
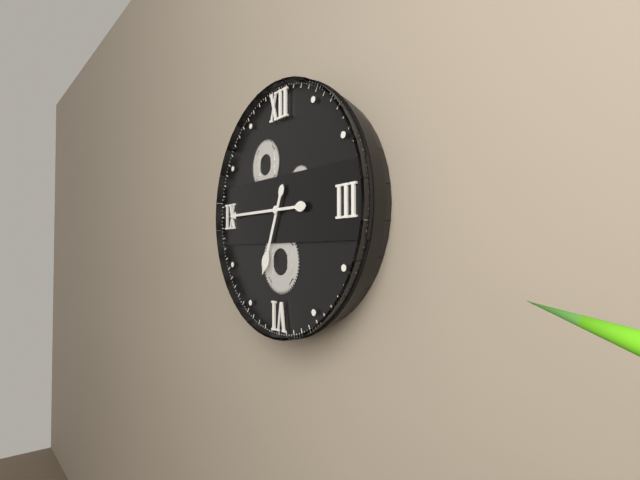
6:45
